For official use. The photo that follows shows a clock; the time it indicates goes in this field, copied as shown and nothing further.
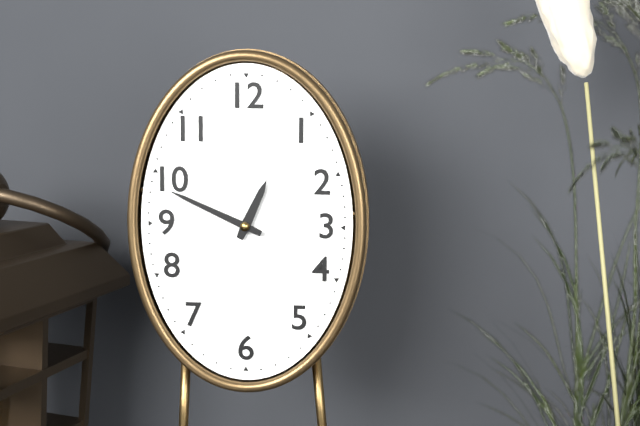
12:49
